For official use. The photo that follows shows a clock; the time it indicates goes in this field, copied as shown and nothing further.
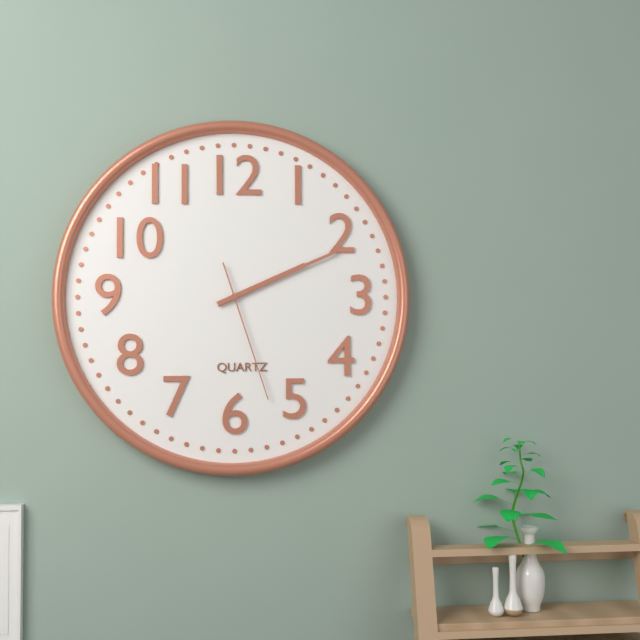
2:11:27
